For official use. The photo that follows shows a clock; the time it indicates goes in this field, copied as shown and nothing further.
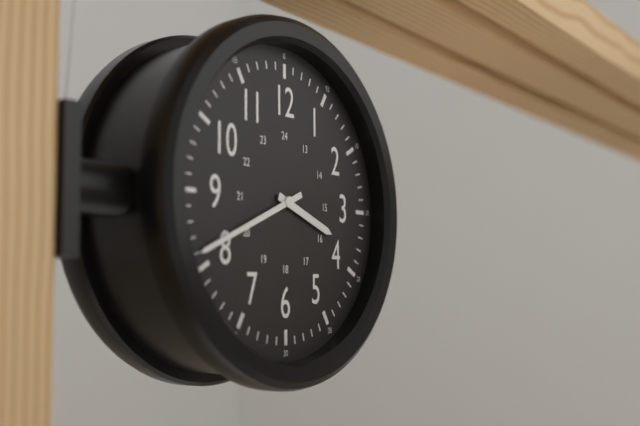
3:41
